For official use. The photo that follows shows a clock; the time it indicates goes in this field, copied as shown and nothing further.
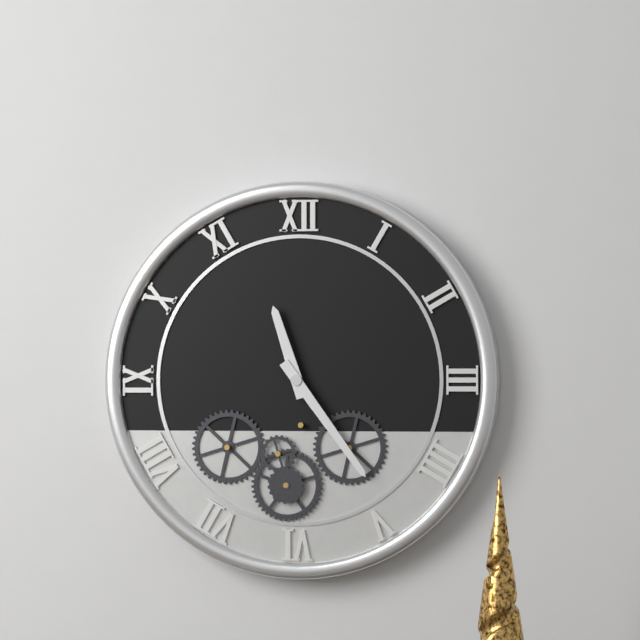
11:24
